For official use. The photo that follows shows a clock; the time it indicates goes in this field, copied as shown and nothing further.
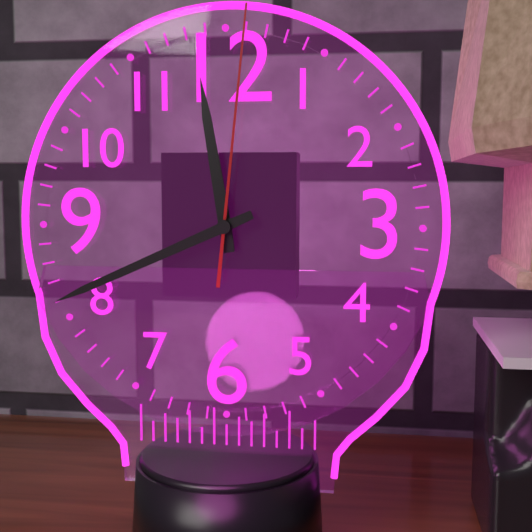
11:41:01
